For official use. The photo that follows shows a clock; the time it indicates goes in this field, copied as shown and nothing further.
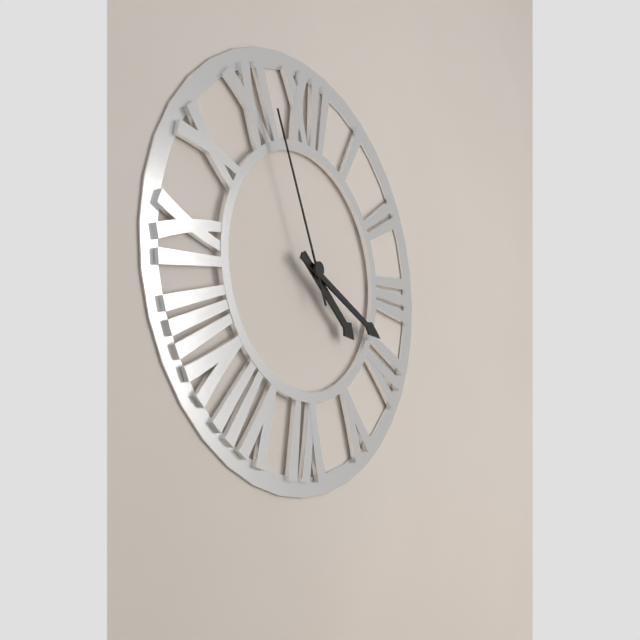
4:19:56
